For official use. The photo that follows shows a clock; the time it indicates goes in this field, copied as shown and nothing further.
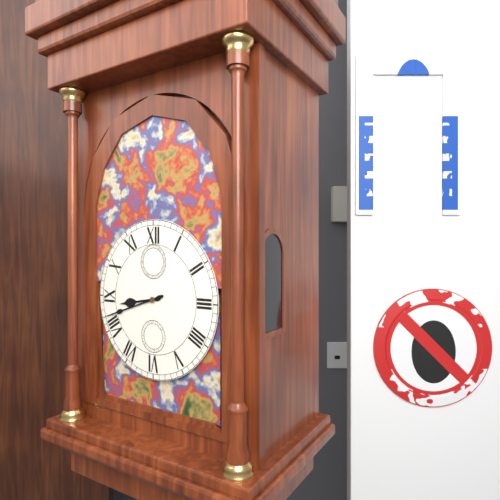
8:42
